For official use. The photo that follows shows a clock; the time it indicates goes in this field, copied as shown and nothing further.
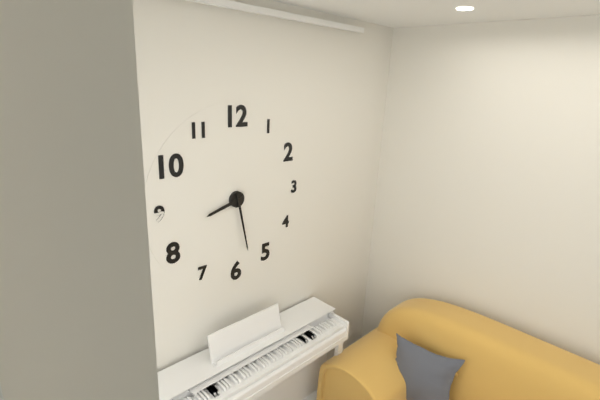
8:28
